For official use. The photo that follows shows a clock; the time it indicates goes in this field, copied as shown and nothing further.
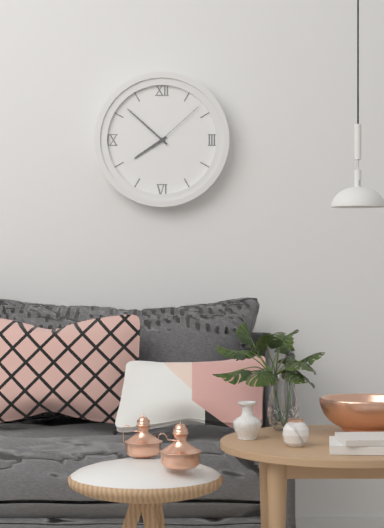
7:52:08
